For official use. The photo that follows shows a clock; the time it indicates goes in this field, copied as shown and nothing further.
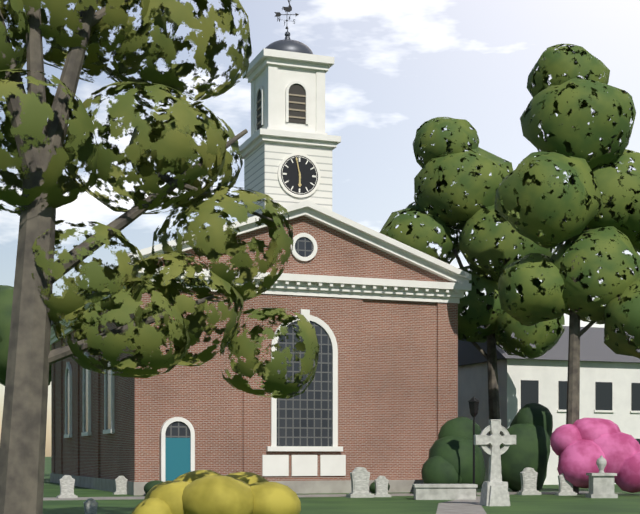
5:58
